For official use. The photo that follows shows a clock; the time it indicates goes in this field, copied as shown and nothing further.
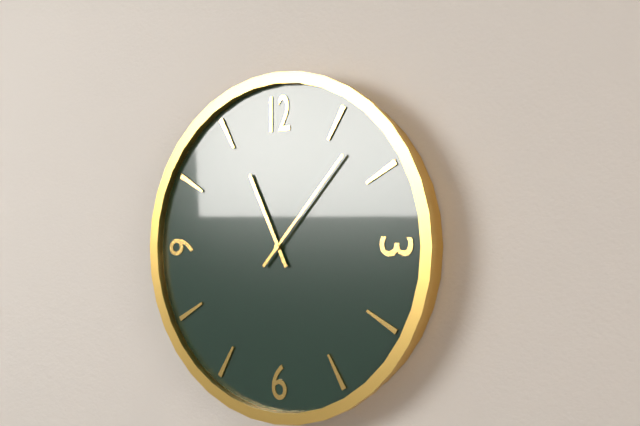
11:07
